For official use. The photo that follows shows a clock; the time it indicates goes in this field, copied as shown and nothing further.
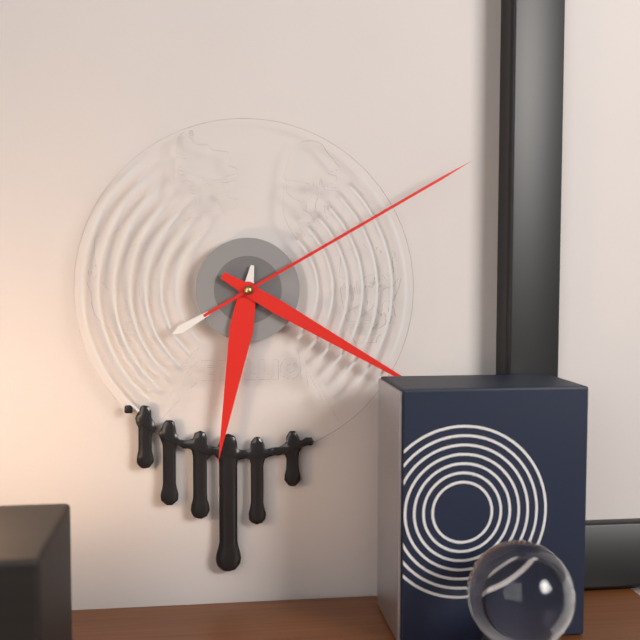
6:20:10
